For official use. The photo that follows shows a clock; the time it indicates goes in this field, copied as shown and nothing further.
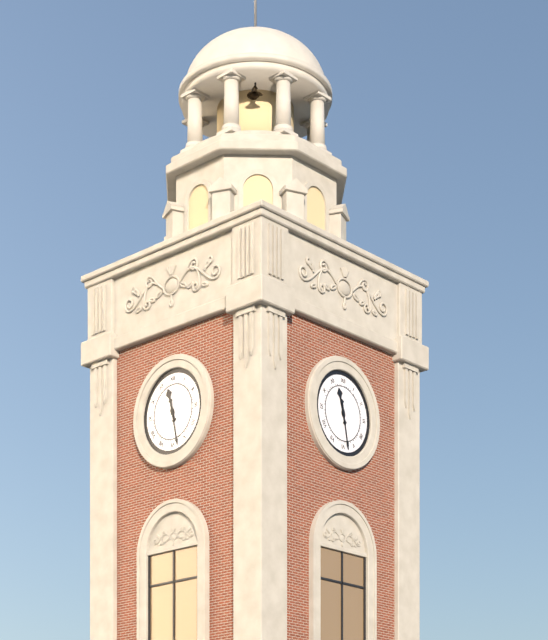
11:28
